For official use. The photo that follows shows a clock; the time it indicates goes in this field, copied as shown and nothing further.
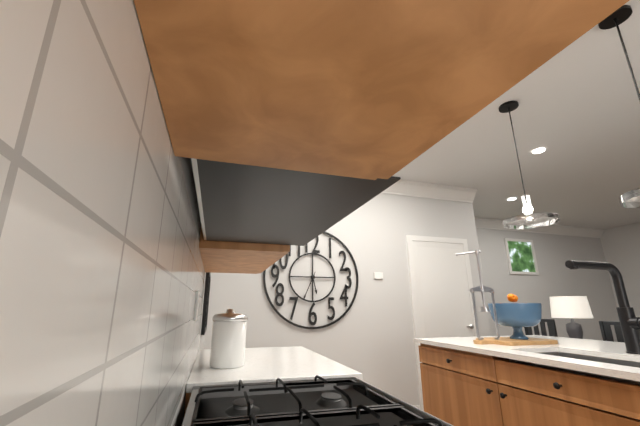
5:34
